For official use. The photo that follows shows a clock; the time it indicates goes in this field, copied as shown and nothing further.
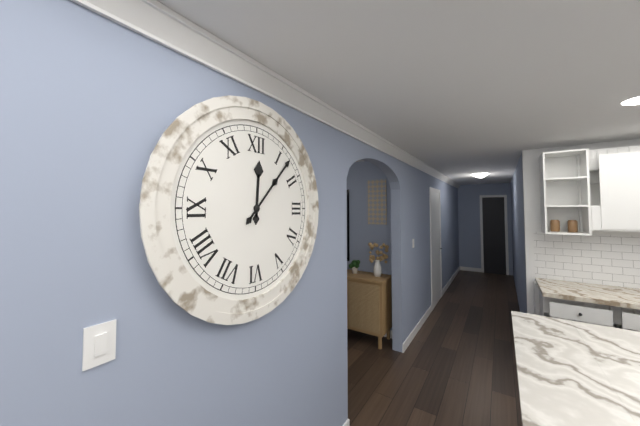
12:07
